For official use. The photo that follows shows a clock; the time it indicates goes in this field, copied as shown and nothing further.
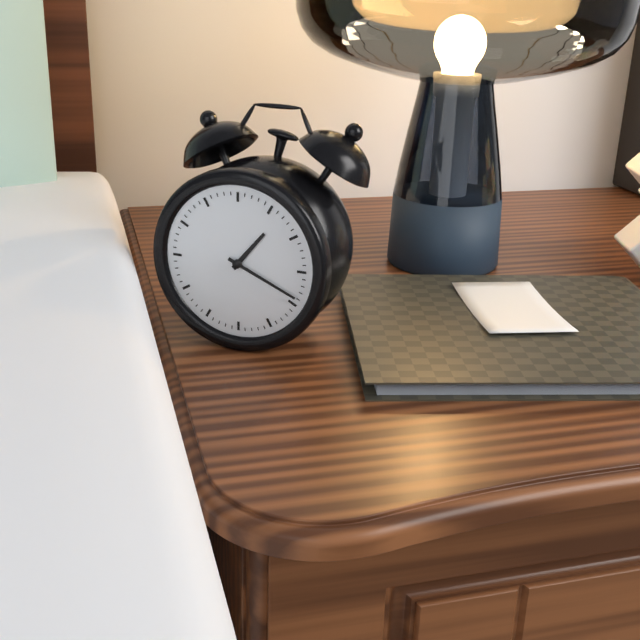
1:19
